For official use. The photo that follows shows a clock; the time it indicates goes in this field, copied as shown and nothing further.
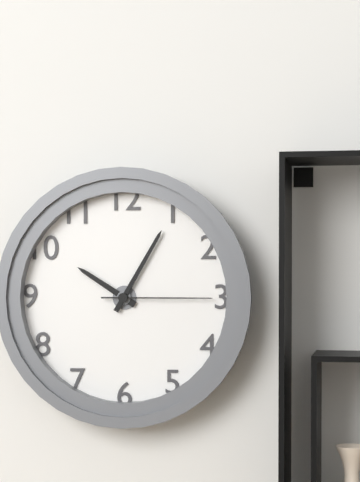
10:05:15
